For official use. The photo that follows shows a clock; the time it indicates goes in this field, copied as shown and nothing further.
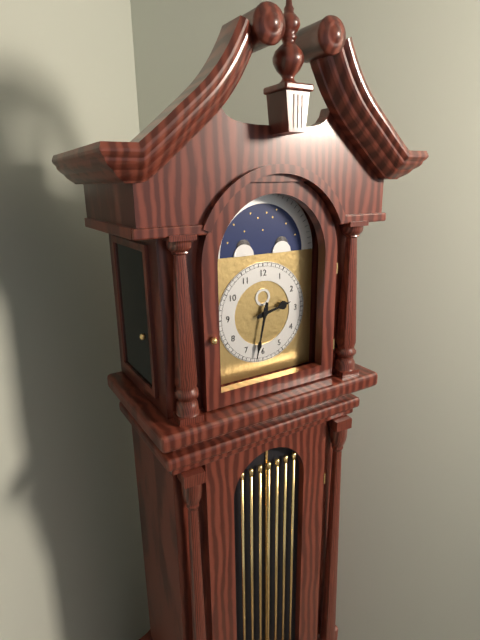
2:32
